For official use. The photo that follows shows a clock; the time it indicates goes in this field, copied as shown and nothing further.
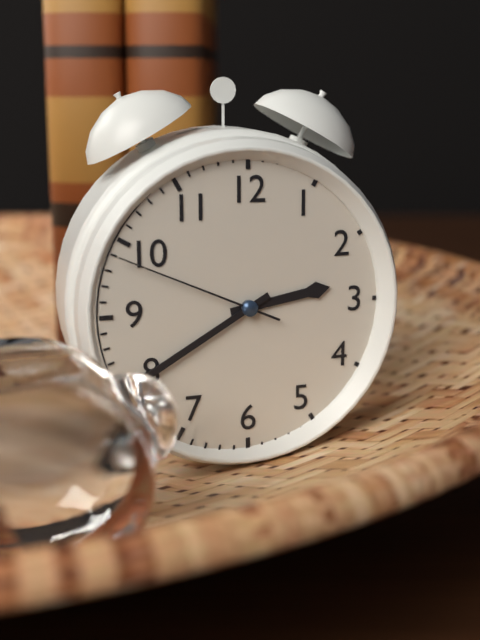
2:40:49
